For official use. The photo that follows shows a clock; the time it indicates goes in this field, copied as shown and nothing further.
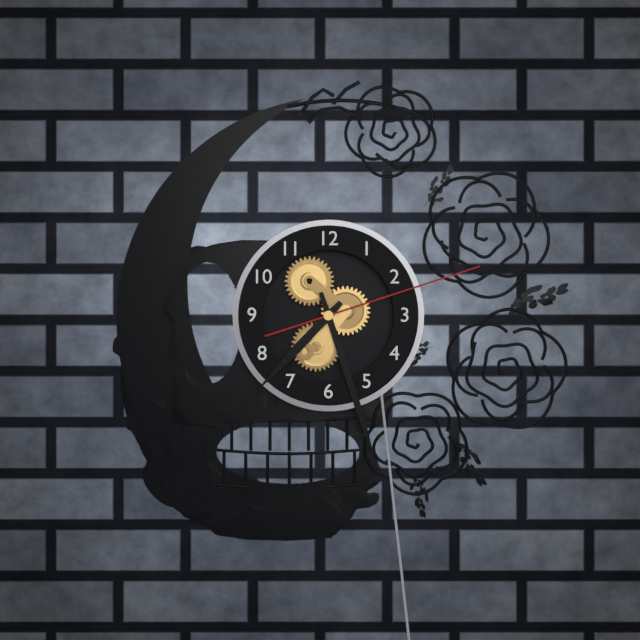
7:27:12
